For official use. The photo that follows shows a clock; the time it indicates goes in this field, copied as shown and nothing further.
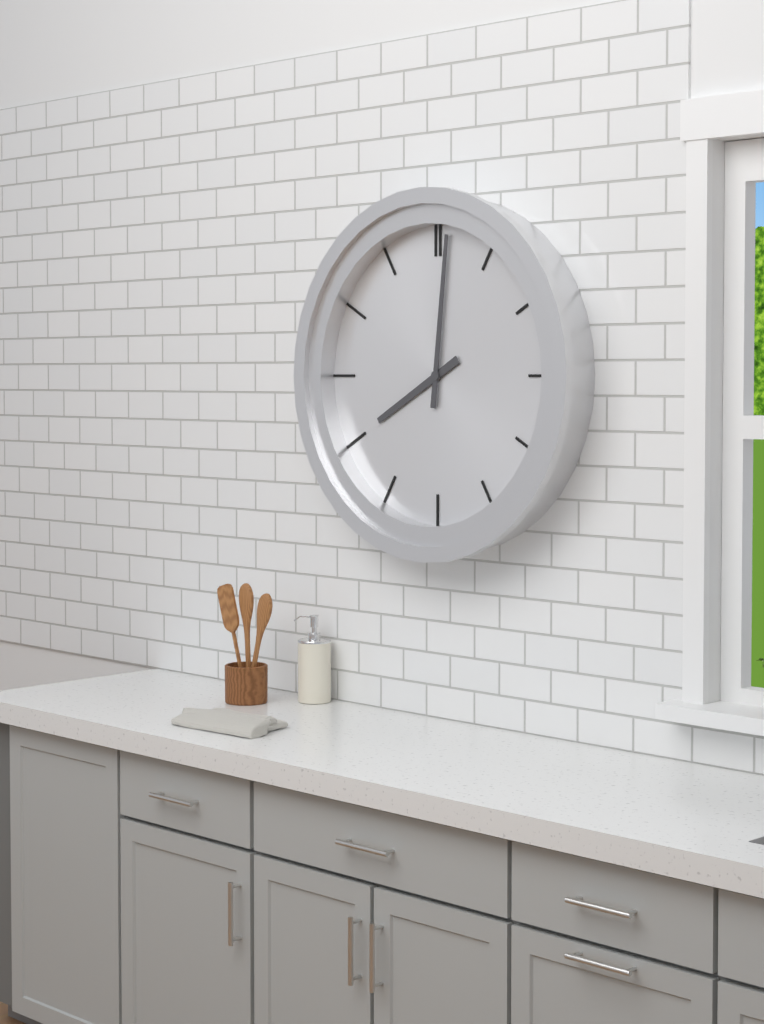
8:01
